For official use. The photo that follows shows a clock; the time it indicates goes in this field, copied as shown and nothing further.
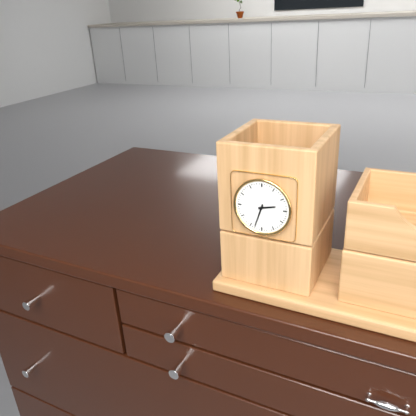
2:33
